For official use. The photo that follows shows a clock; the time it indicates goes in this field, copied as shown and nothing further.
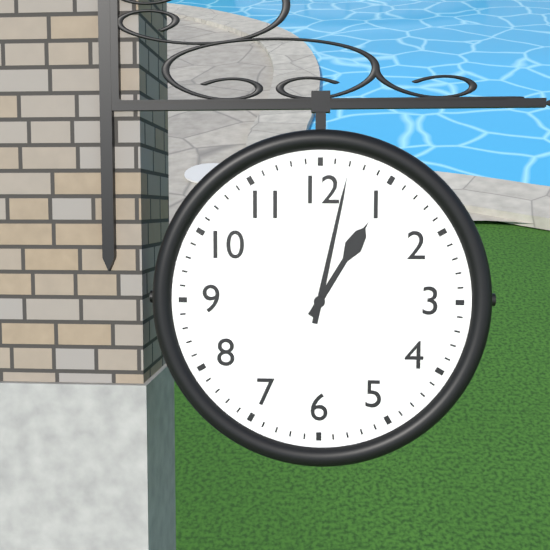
1:02
